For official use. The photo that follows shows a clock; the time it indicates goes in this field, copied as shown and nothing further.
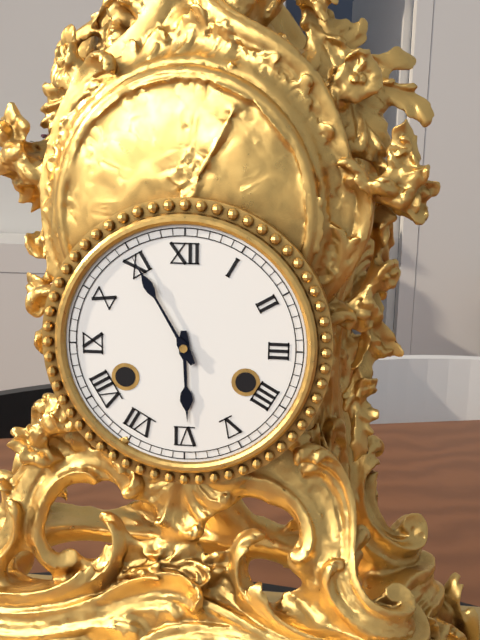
5:55
